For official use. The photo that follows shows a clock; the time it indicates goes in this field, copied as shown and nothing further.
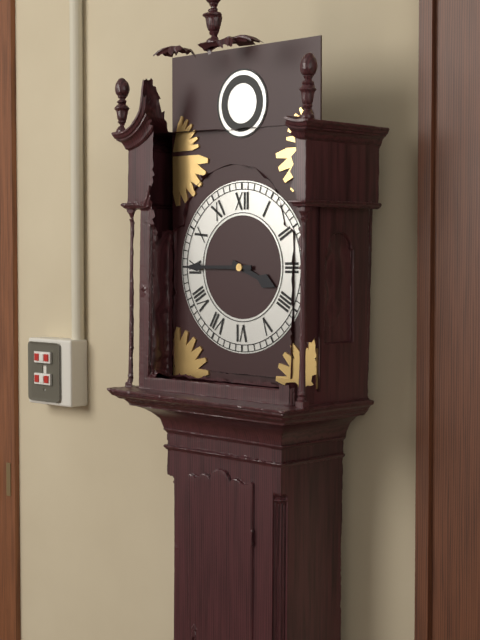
3:45
